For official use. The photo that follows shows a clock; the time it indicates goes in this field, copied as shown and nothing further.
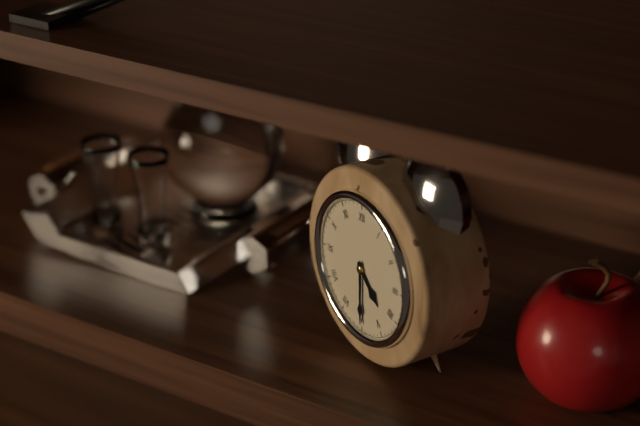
4:30
